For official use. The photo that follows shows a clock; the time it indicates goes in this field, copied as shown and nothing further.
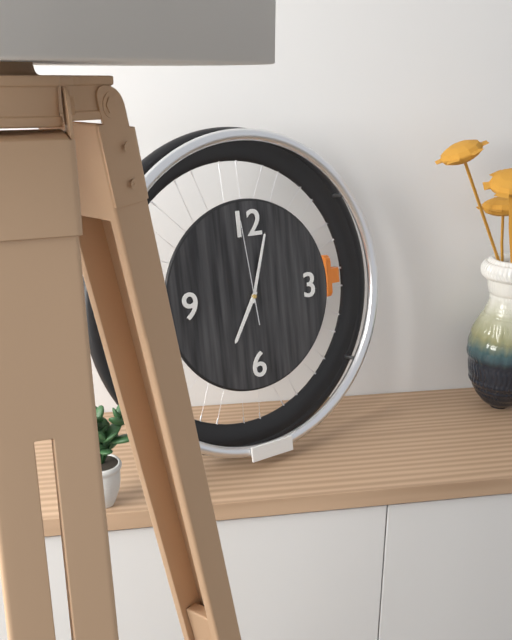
7:03:59
